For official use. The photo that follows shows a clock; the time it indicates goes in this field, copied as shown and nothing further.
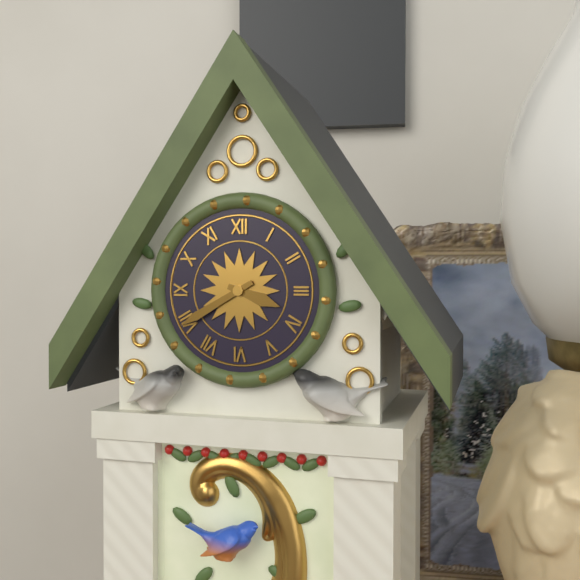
3:40
